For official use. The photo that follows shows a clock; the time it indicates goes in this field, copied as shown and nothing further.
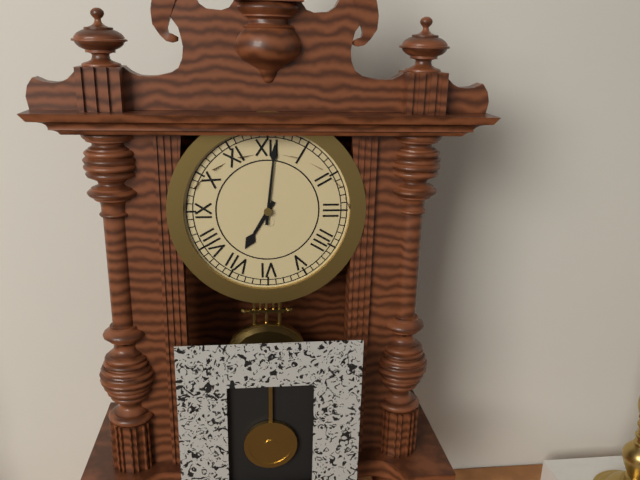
7:01
